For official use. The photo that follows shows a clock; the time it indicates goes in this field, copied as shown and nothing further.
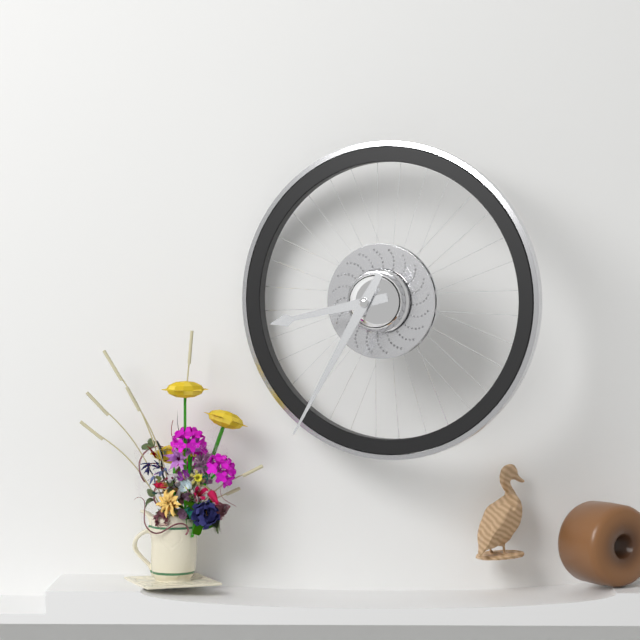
8:35
